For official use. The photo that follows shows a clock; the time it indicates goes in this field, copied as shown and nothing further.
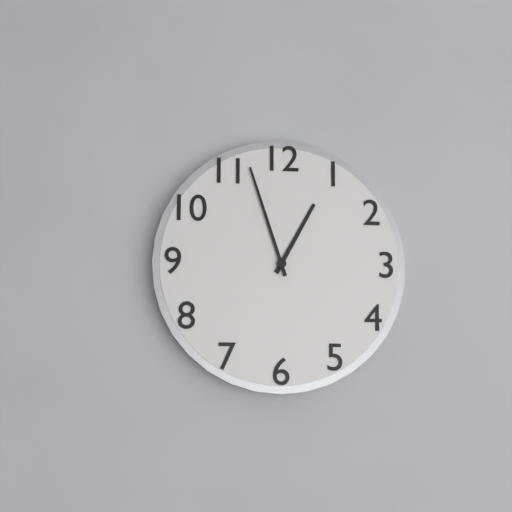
12:57
